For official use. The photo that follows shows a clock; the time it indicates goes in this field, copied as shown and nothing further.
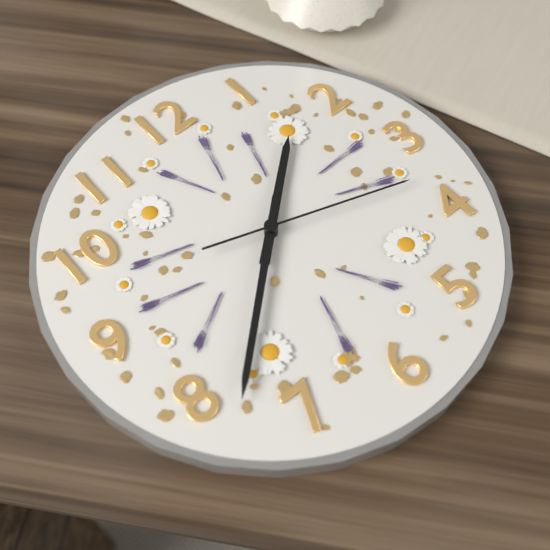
1:38:18
